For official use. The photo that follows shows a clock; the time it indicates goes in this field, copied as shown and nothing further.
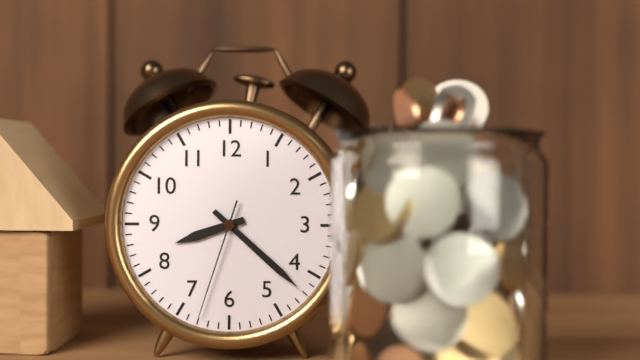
8:22:33
